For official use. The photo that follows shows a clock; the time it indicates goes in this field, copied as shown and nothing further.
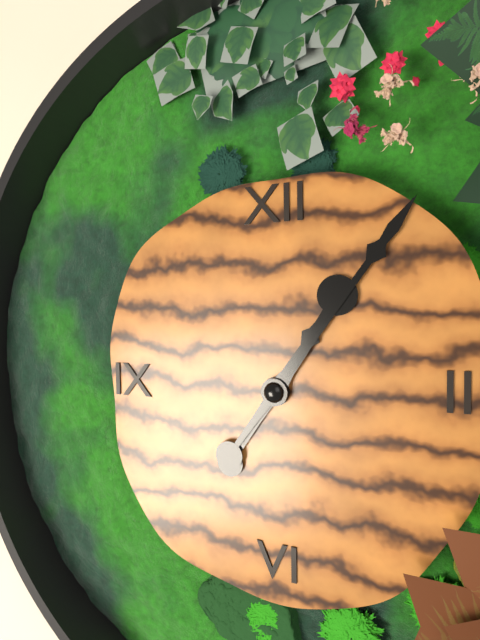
1:06
